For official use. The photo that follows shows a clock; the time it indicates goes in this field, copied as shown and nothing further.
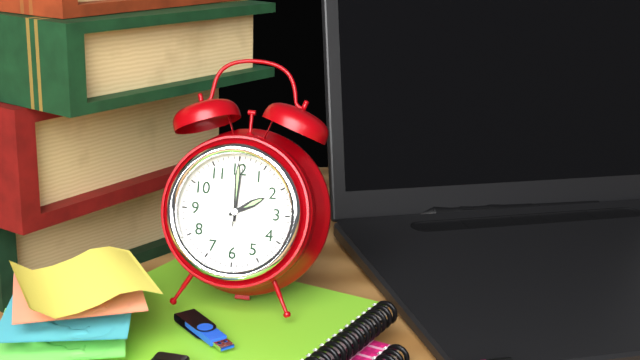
2:00:01
